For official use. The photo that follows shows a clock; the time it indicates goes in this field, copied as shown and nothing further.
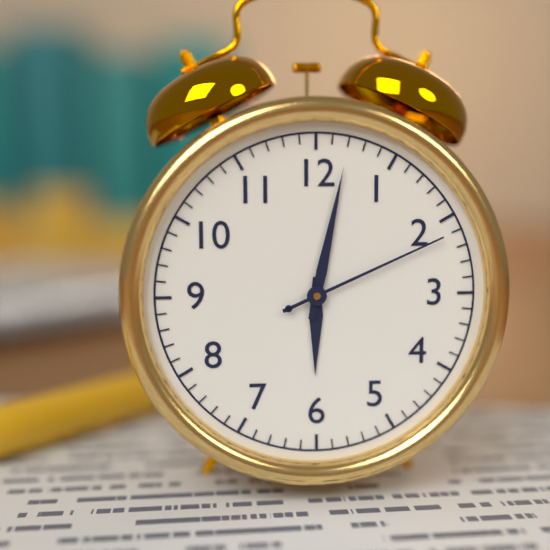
6:02:11
